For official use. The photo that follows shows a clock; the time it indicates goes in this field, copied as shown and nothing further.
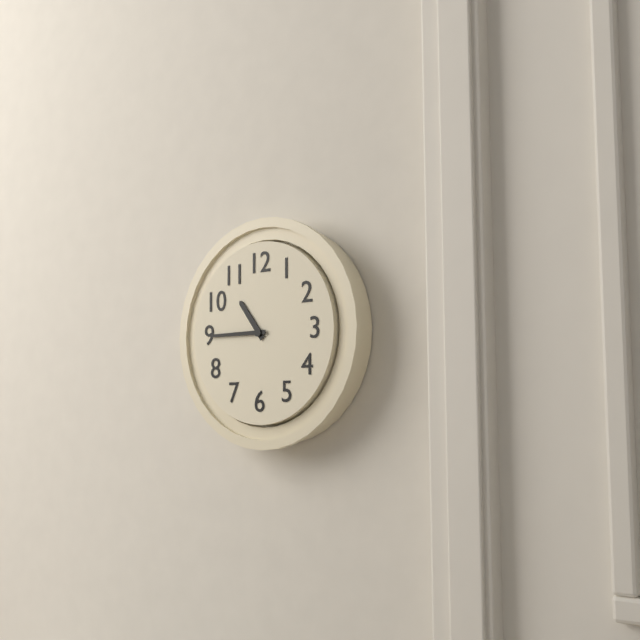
10:45
